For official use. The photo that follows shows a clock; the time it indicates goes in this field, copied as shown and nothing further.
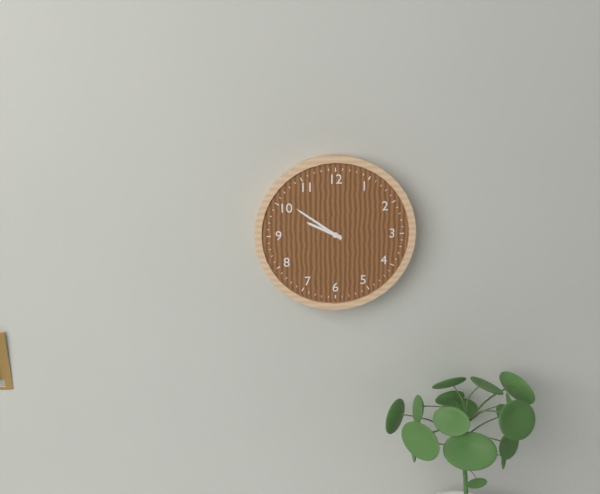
9:51
